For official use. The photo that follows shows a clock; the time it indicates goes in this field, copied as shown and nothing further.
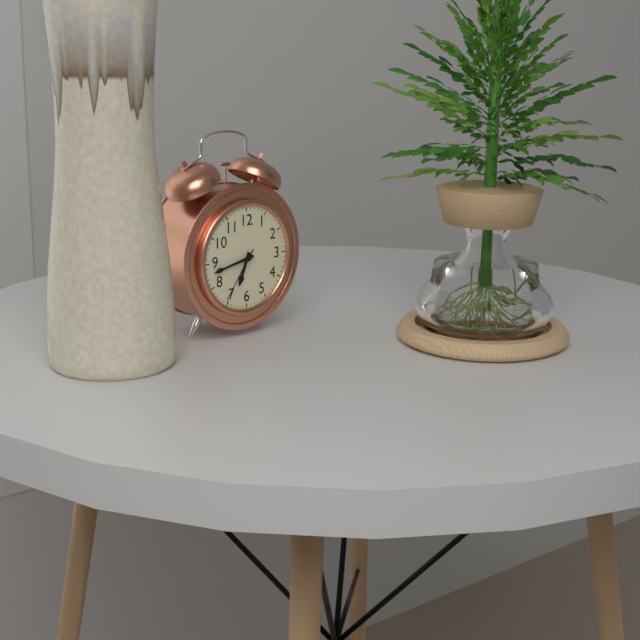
6:43:36
